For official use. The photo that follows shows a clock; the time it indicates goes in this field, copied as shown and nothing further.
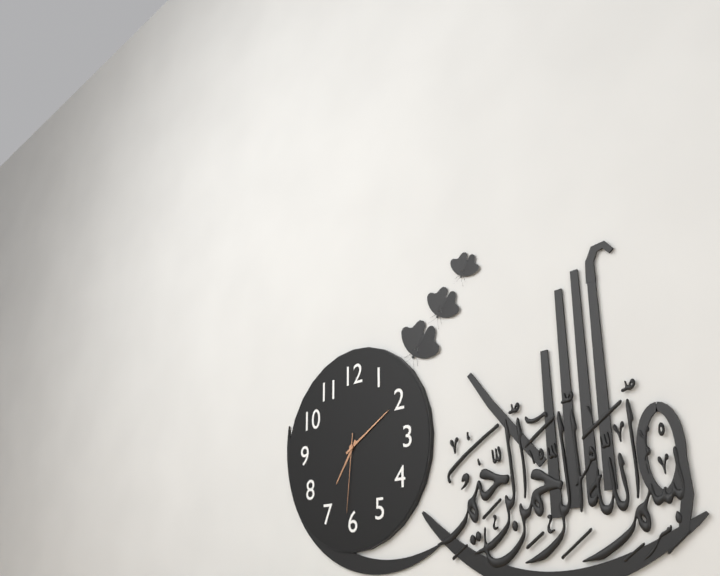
7:10:31
